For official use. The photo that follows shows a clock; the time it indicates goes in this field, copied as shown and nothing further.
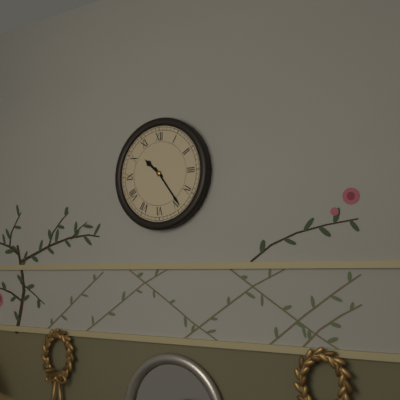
10:24
